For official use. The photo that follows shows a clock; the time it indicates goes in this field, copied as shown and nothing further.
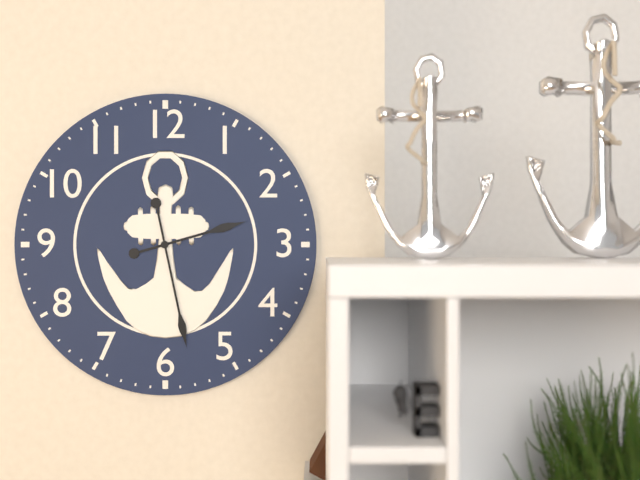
2:28
